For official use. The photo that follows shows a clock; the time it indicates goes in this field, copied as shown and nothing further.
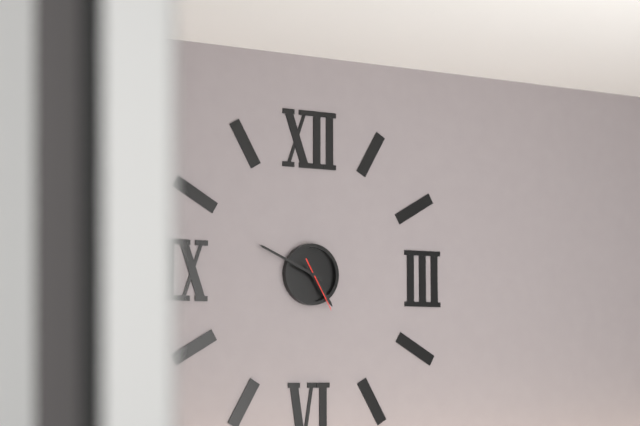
4:49:25
